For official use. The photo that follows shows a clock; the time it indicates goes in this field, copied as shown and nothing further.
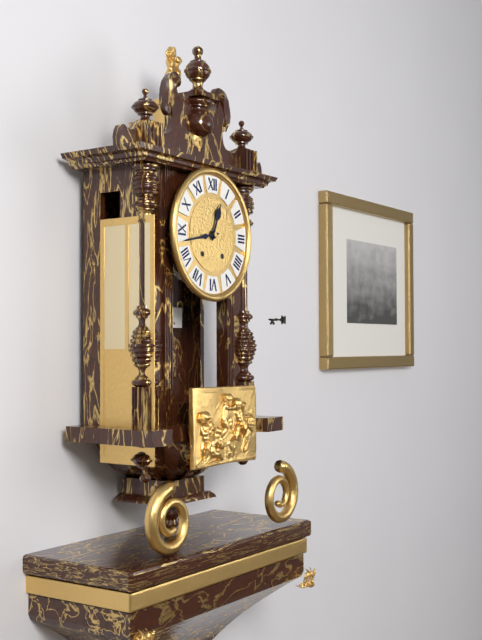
12:43
